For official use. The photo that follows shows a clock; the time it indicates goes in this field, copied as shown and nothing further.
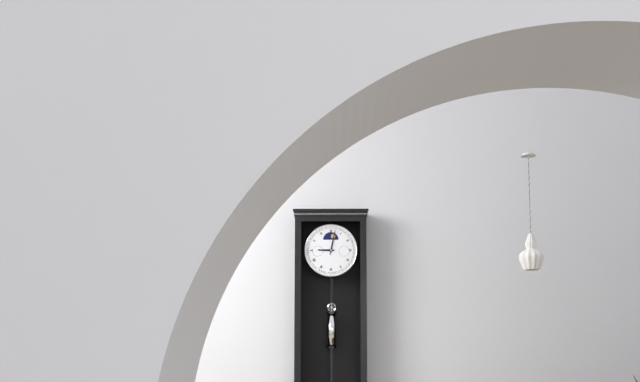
9:02
